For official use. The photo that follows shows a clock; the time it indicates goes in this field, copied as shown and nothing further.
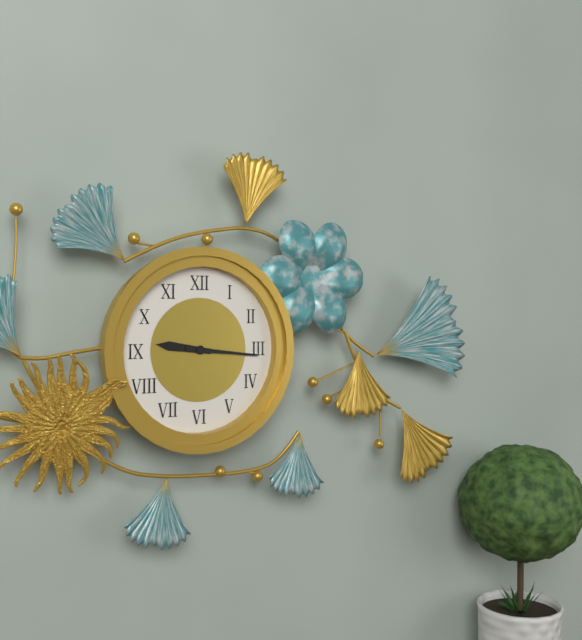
9:16
